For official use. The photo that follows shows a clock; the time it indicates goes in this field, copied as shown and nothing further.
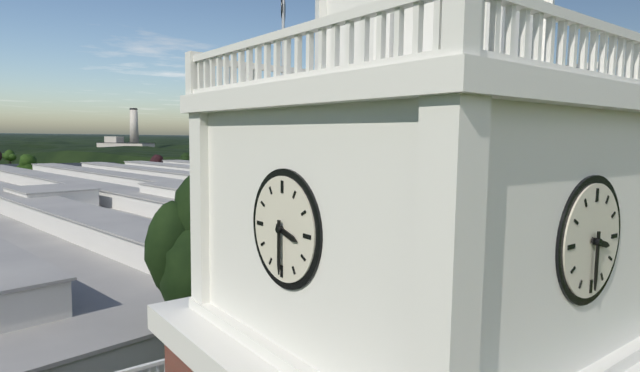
3:30
